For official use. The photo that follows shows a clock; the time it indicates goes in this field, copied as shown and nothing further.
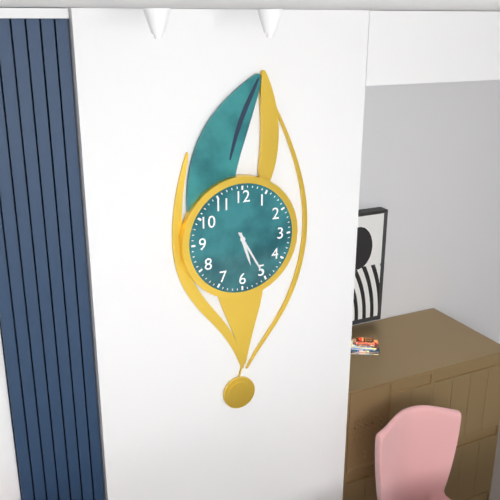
5:25
